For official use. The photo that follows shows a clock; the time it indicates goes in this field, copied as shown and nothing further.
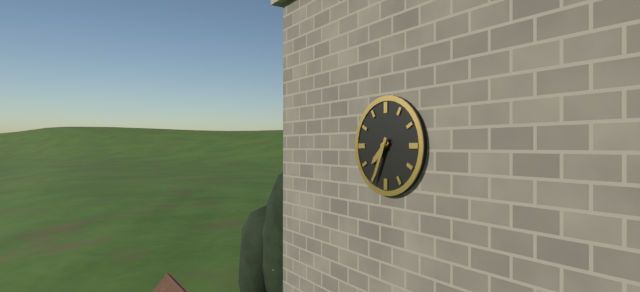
7:34
